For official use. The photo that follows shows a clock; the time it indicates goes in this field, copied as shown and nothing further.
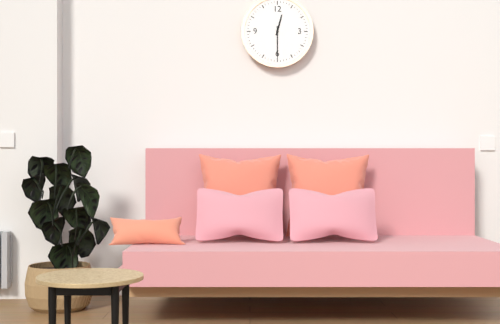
12:30
